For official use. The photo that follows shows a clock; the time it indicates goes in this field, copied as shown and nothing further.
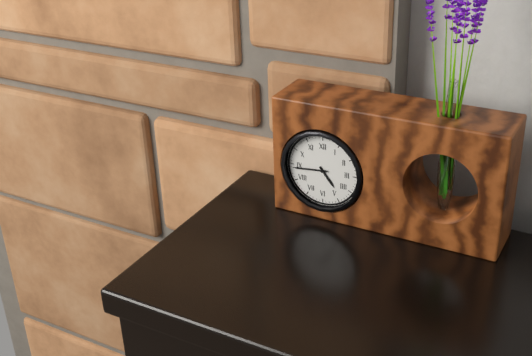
4:44
